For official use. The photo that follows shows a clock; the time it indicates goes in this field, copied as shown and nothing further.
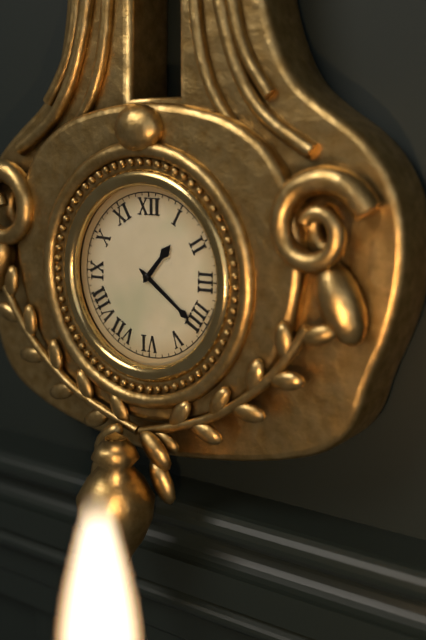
1:21
